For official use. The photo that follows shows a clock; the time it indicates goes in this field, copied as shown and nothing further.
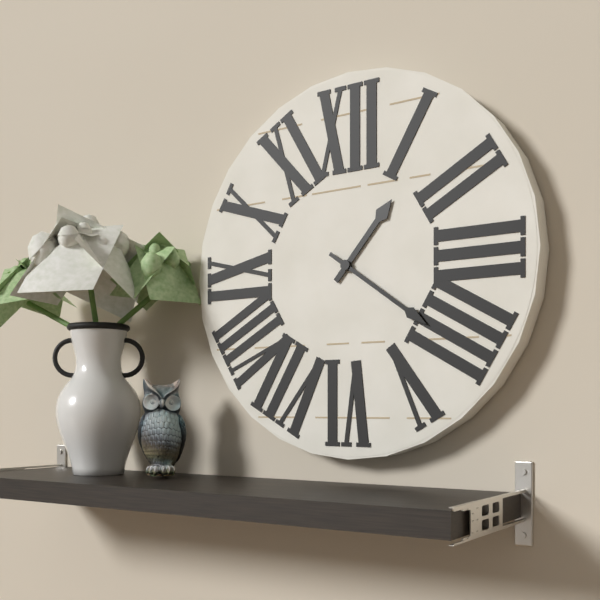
1:21
